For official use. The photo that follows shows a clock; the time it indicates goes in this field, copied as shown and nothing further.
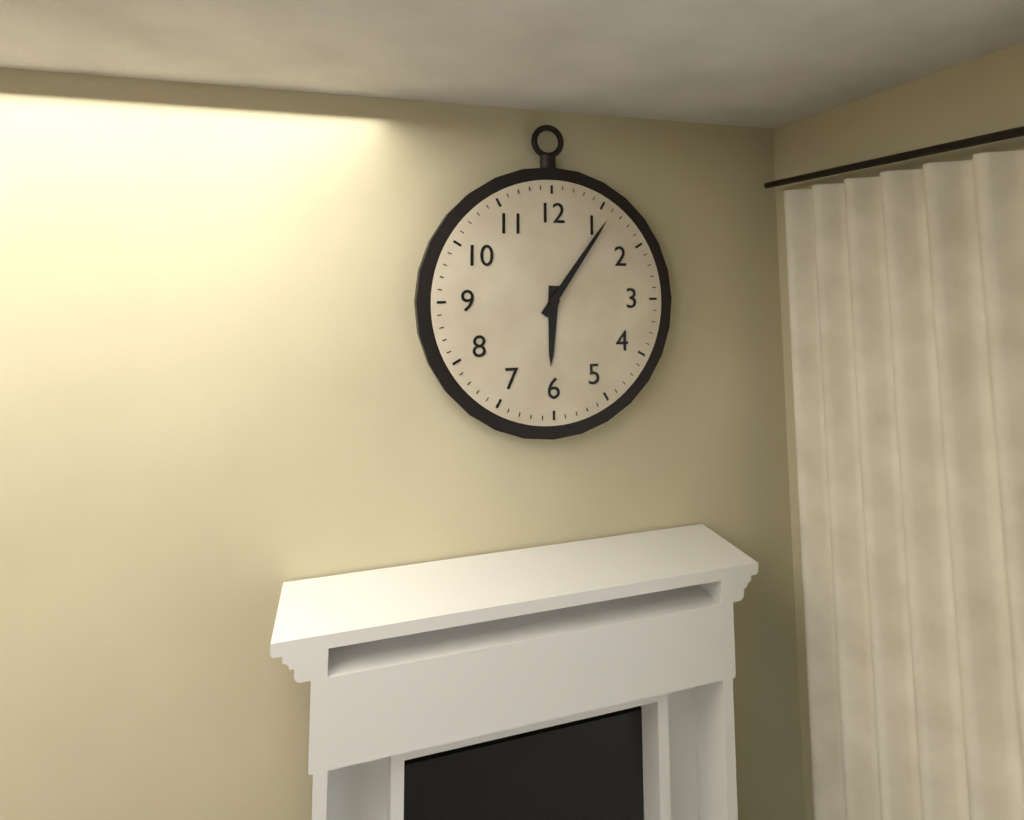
6:06
